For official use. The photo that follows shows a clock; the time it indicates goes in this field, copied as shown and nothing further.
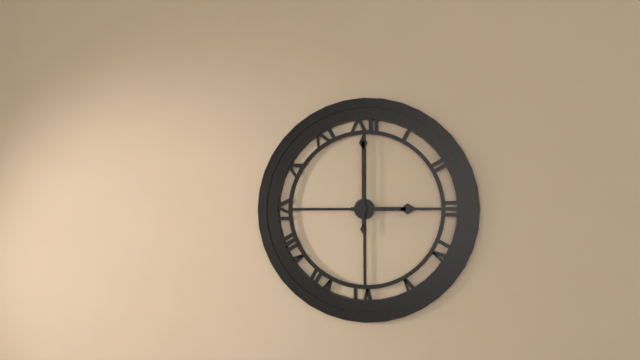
3:00
